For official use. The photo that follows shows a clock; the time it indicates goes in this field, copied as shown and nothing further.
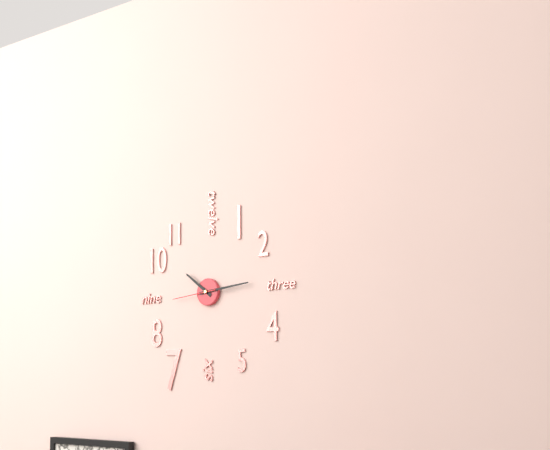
10:14
